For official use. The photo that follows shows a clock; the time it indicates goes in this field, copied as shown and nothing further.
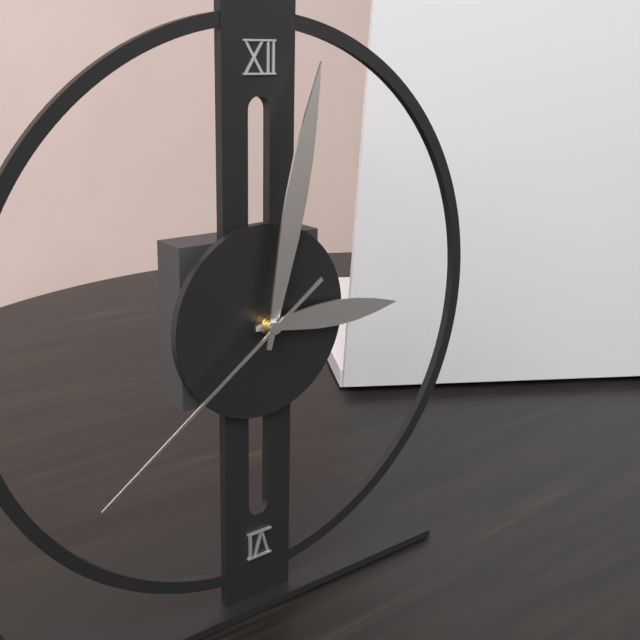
3:02:39
